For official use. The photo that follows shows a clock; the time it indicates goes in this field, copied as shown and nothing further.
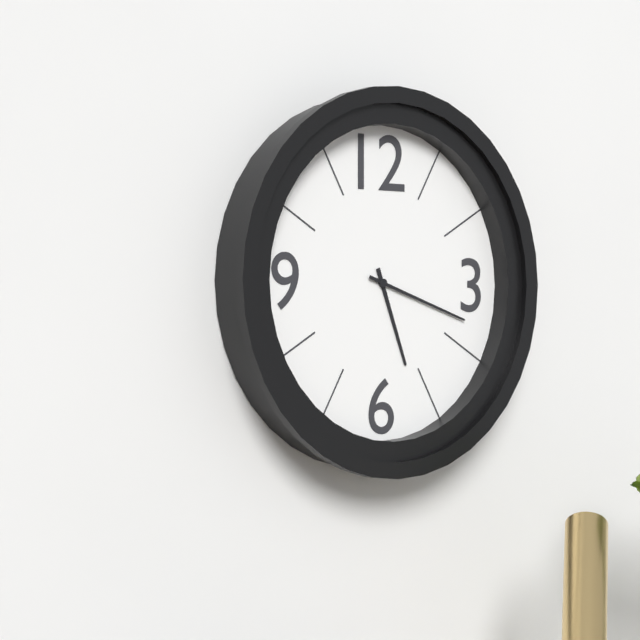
5:18
